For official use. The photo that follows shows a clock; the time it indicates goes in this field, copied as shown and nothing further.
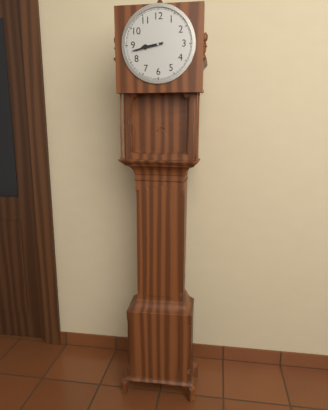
8:43
